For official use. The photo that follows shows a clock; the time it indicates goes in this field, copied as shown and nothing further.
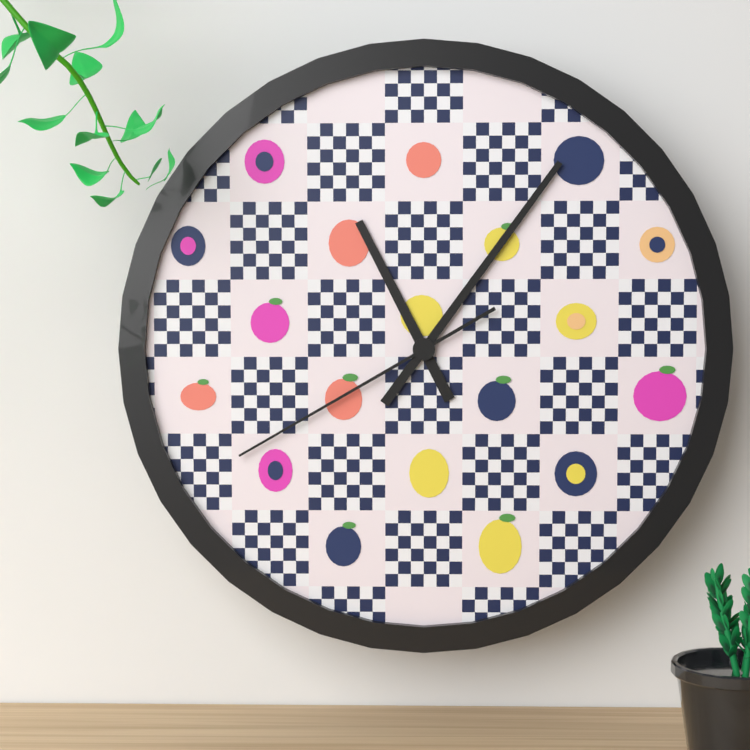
11:06:40
